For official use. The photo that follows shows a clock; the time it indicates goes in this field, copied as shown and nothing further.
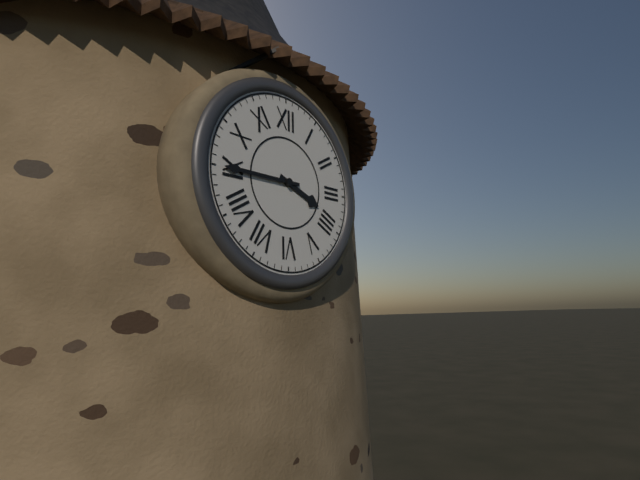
3:45
